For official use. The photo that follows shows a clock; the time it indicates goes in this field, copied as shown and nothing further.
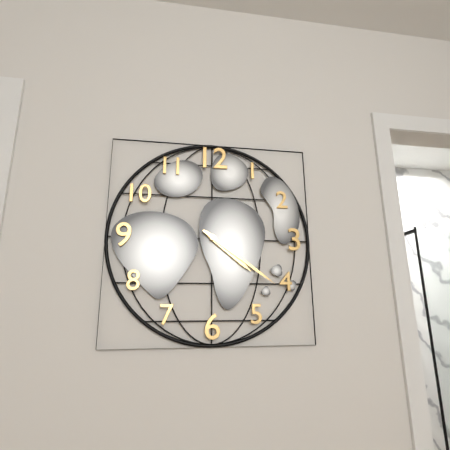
4:21
